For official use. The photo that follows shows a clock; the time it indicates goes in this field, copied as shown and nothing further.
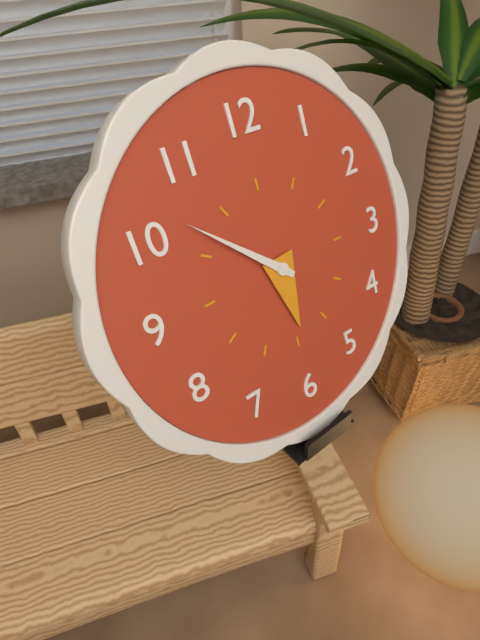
5:52
